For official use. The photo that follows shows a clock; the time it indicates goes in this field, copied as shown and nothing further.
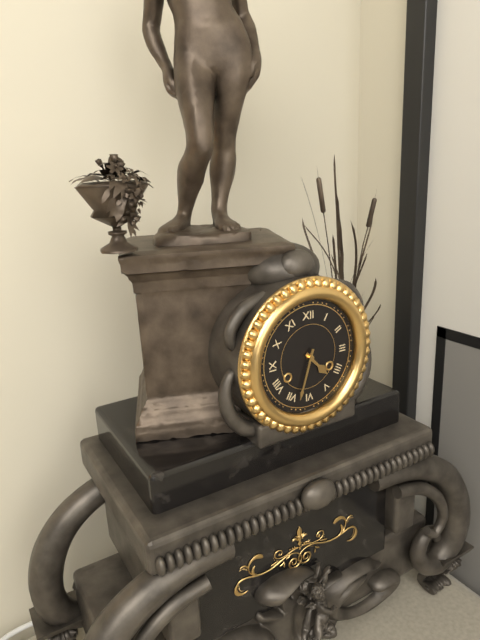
4:33
